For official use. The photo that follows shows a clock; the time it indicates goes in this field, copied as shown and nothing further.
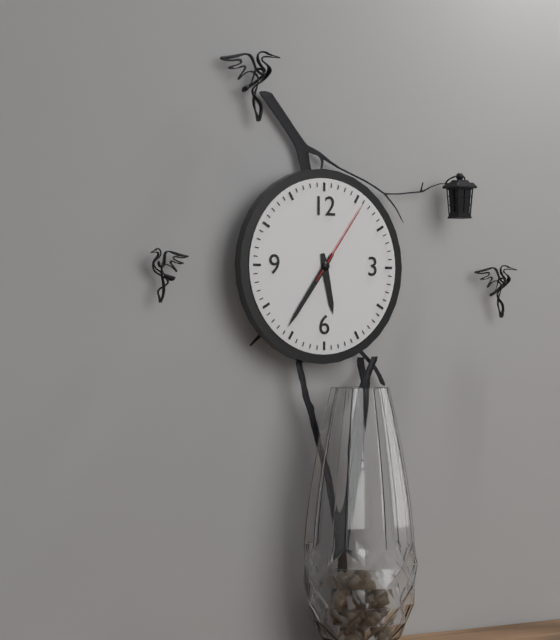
5:36:06
